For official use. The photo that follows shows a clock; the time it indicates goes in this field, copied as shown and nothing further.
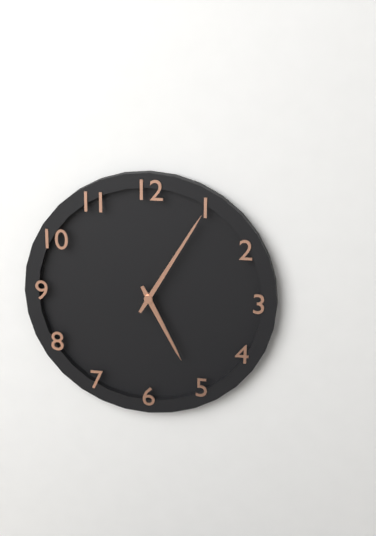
5:05
